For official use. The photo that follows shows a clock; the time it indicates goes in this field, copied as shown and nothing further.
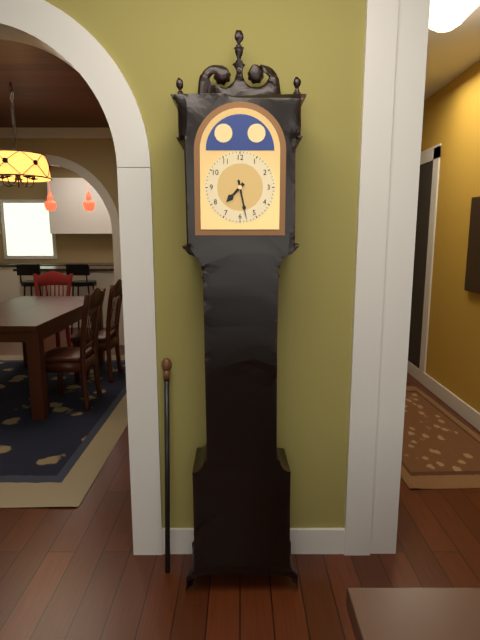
7:28
